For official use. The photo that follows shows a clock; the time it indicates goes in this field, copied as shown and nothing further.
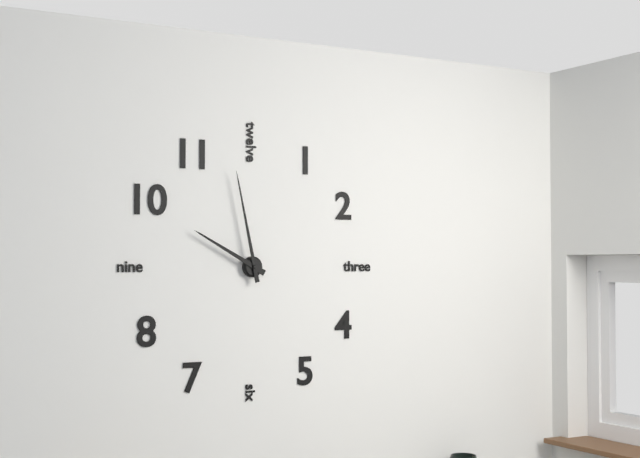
9:58
